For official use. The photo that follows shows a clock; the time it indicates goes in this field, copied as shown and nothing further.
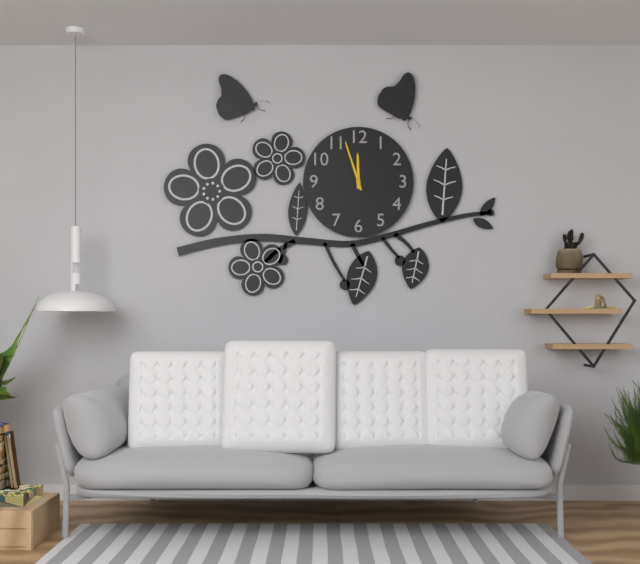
11:57
